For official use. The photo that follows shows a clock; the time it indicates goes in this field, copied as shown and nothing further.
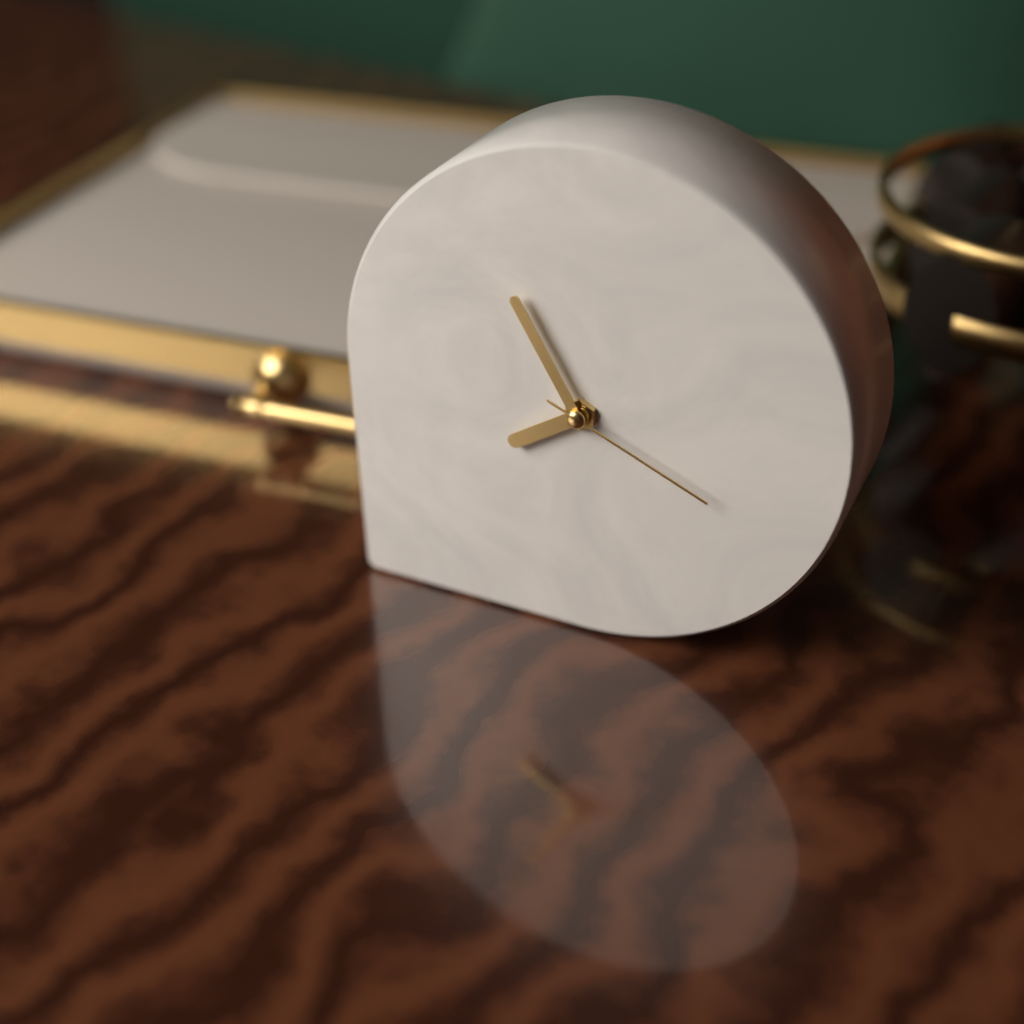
7:55:19
